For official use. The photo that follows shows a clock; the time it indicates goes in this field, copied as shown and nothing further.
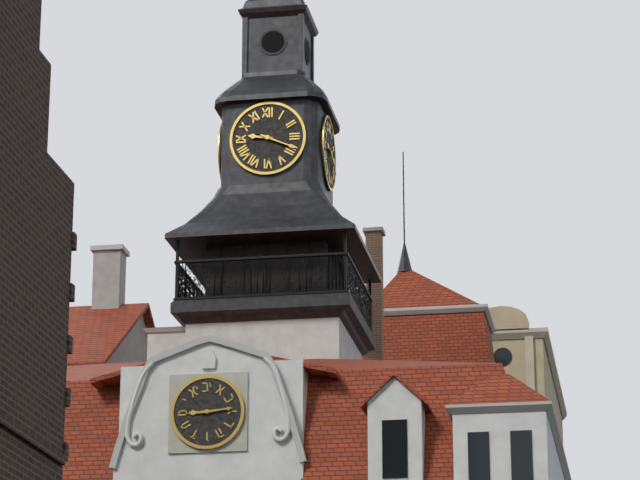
9:19
